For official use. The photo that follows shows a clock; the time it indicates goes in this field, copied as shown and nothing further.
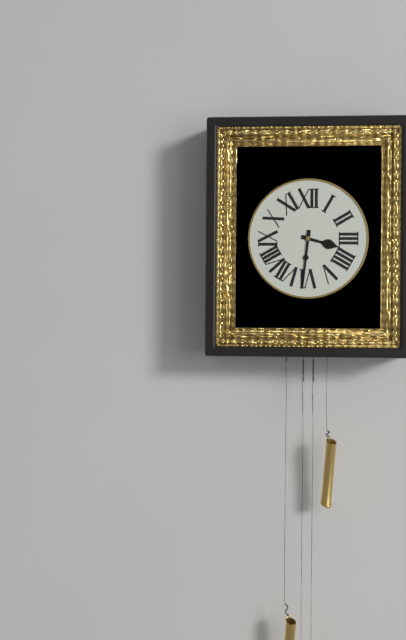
3:31
